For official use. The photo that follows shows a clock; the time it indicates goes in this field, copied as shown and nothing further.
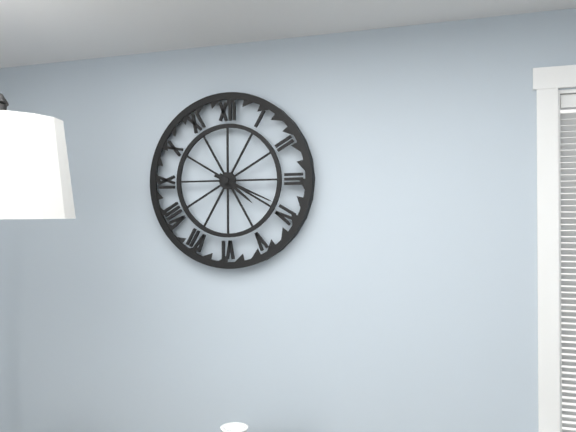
4:19
